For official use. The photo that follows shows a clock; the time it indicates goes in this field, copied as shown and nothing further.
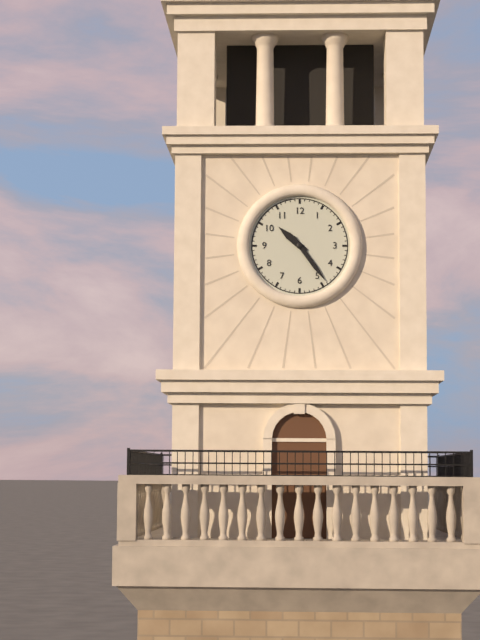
10:24
